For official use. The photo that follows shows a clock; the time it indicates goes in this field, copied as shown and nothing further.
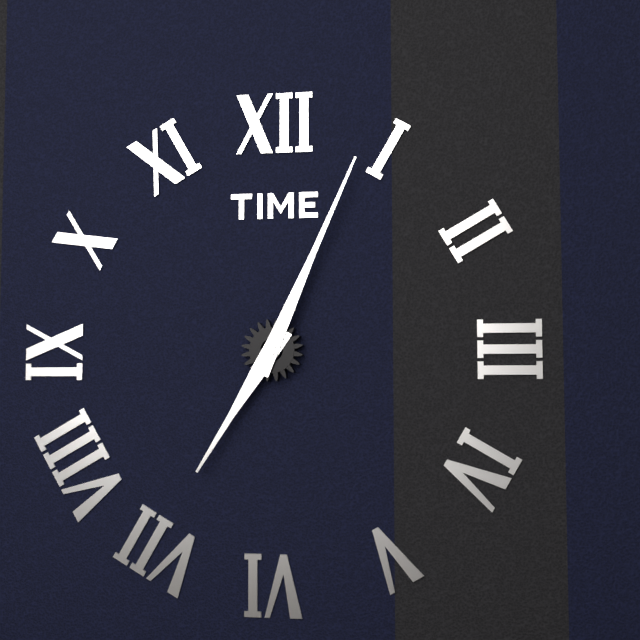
7:04
